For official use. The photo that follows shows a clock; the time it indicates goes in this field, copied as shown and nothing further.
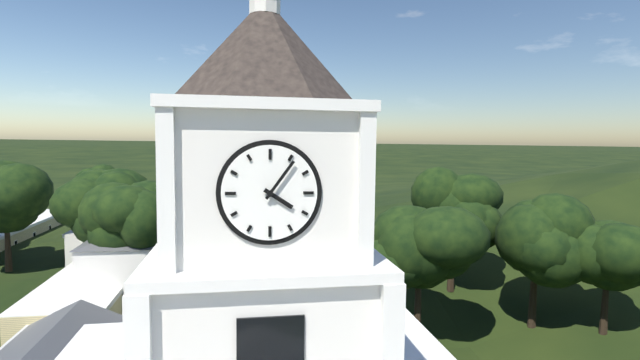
4:06
